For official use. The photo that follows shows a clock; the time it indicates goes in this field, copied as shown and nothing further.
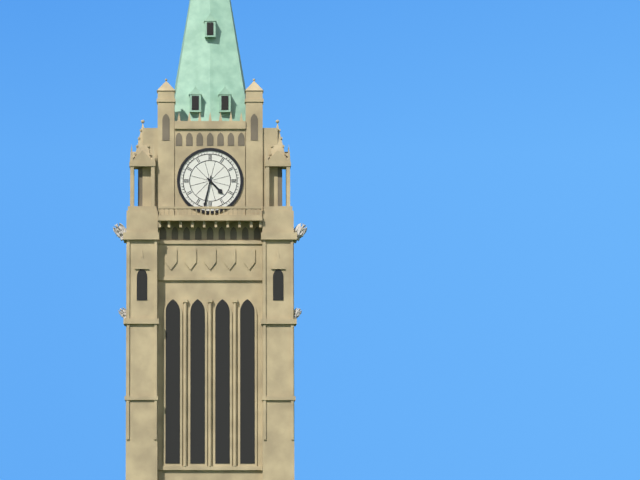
4:32
